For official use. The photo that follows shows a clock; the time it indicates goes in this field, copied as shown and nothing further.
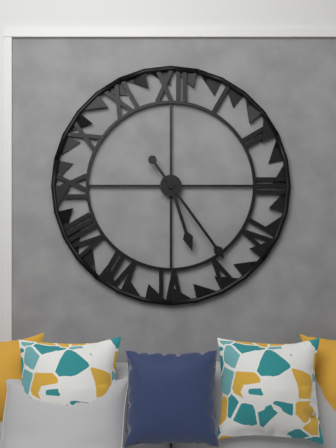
5:24
